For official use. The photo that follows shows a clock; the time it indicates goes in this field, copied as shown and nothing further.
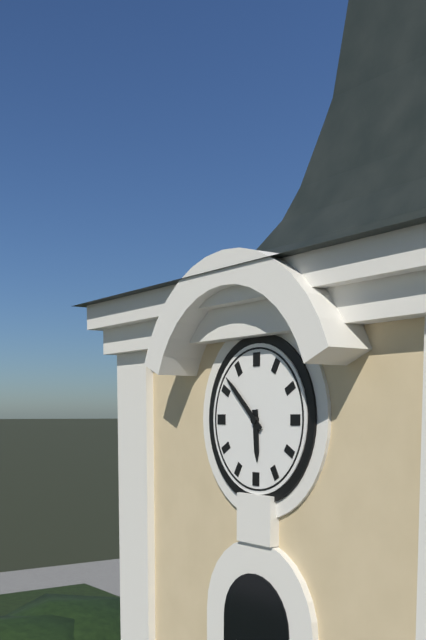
5:52
